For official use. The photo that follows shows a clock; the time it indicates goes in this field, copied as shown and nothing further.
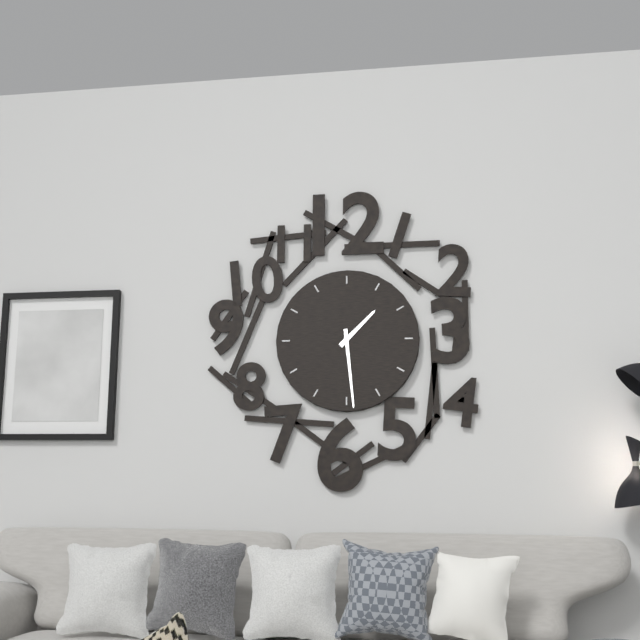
1:29
